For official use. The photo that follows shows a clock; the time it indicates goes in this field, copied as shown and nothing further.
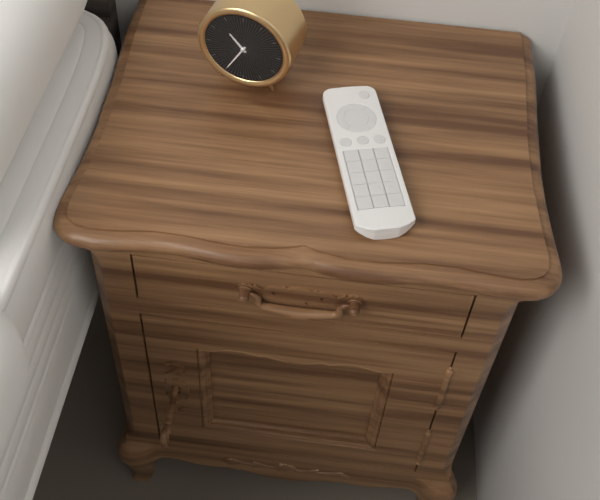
10:35
